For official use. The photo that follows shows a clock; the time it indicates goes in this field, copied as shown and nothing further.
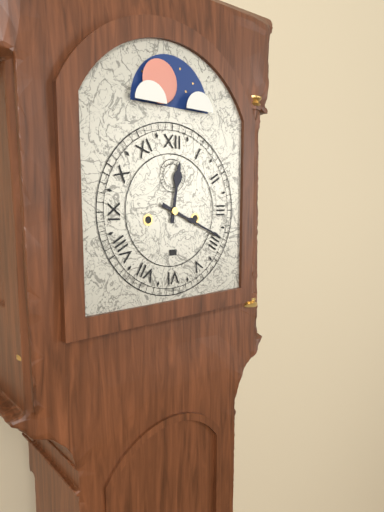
12:19
